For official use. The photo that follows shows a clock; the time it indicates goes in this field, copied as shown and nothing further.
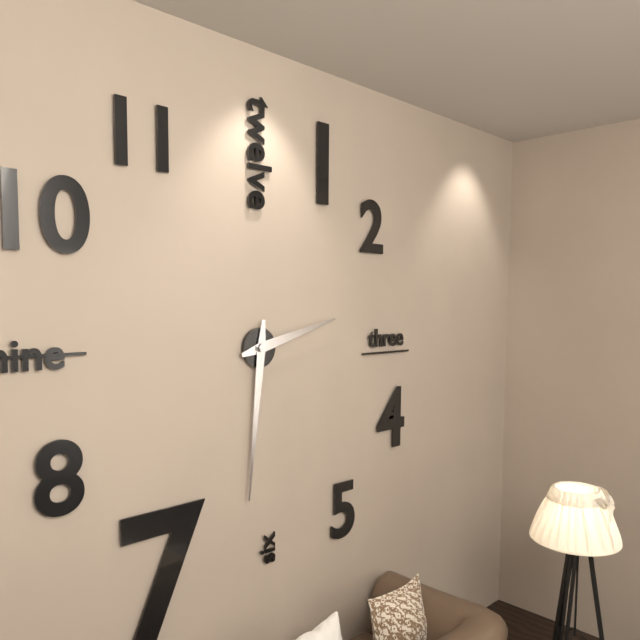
2:31
